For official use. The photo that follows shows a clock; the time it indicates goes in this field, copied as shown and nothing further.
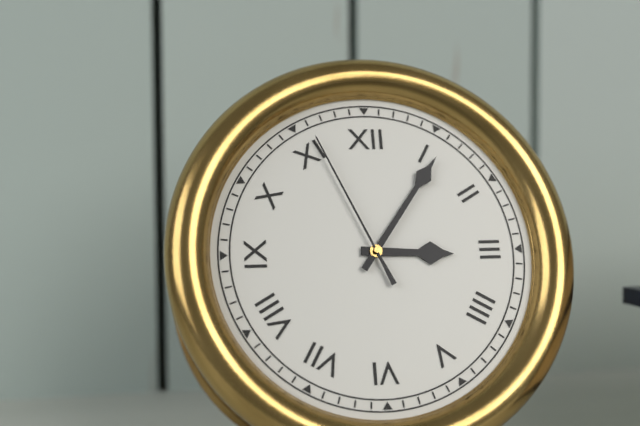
3:06:56
